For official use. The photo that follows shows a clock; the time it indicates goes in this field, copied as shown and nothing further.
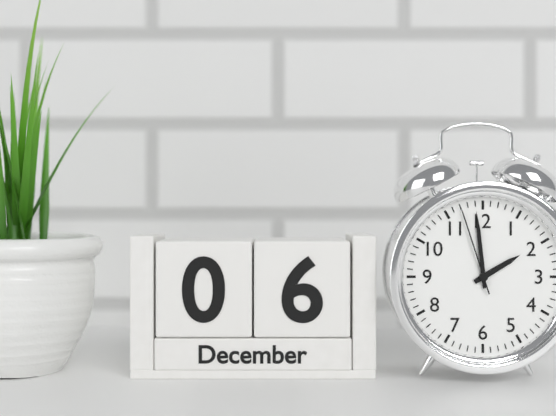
1:59:57
